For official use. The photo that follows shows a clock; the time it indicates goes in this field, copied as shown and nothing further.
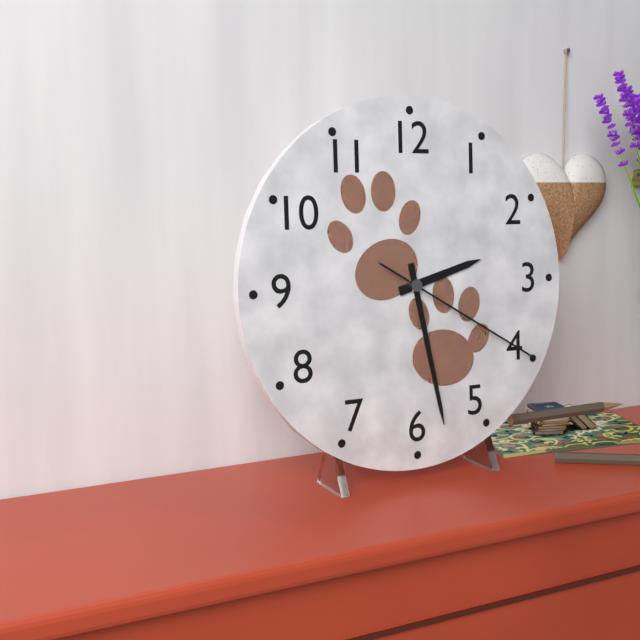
2:28:20
